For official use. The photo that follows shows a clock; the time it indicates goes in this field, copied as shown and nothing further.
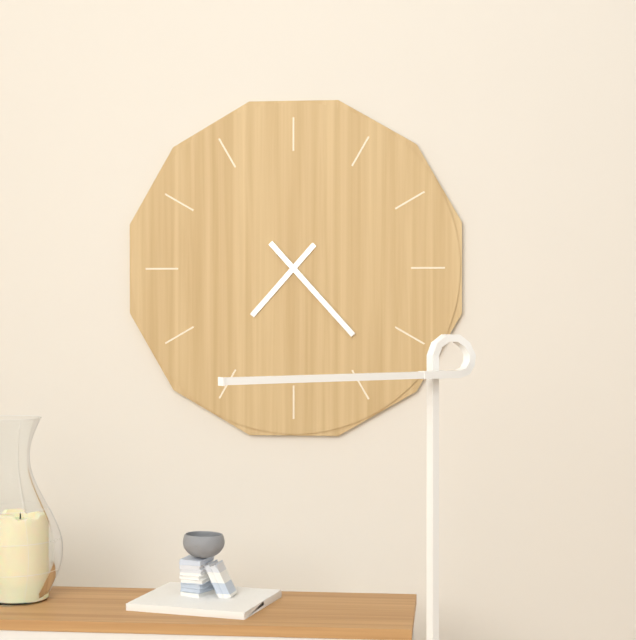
7:23
